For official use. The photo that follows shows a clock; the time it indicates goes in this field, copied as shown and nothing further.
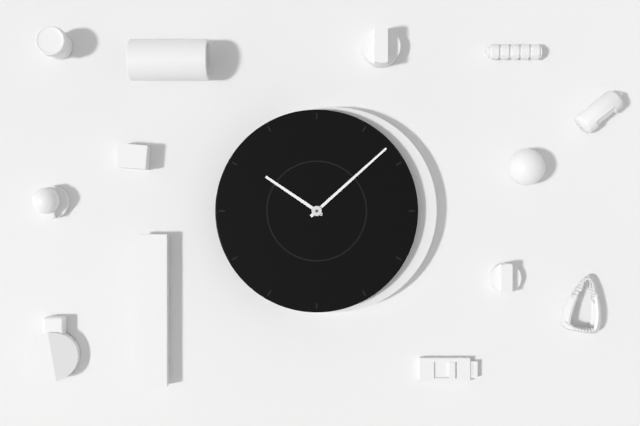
10:08
